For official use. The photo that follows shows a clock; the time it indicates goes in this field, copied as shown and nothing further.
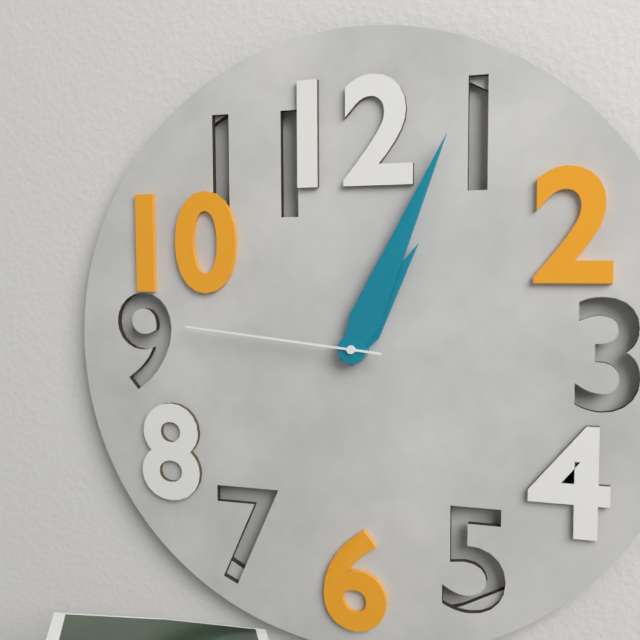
1:04:46
